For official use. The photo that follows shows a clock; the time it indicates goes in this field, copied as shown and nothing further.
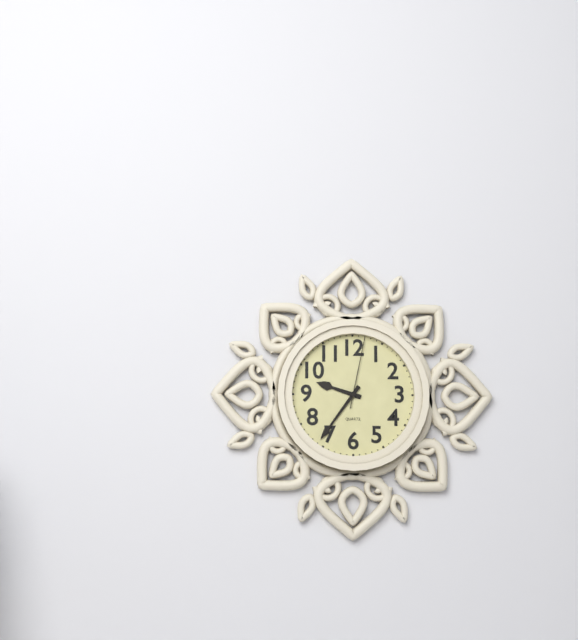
9:36:02
